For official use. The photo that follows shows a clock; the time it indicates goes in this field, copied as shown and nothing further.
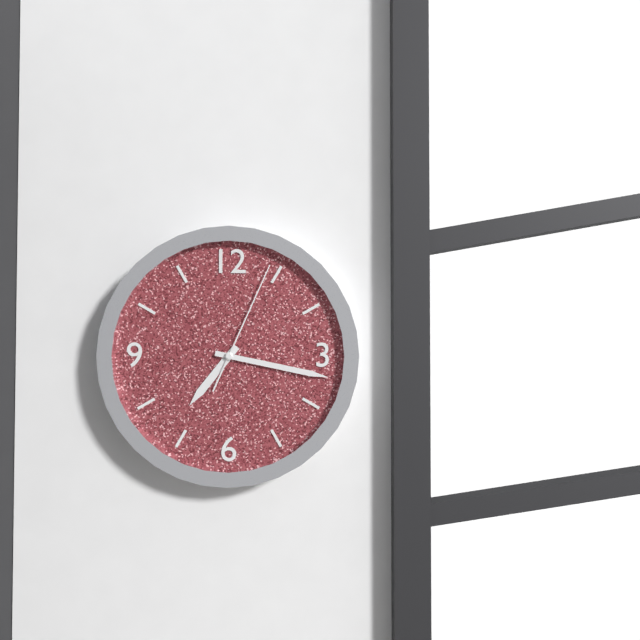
7:17:04
